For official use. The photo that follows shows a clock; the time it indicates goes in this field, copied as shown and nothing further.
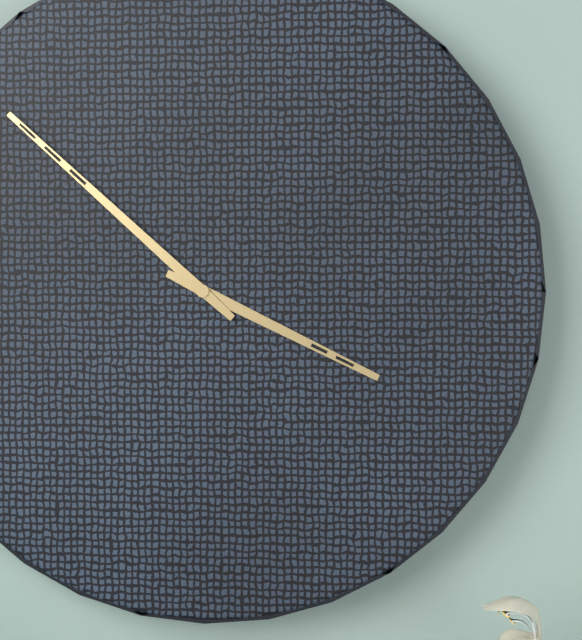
3:52
